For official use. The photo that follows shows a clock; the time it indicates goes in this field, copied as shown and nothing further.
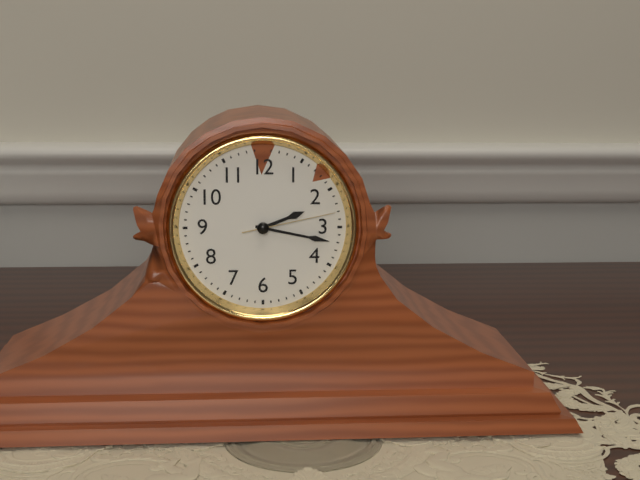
2:17:13
